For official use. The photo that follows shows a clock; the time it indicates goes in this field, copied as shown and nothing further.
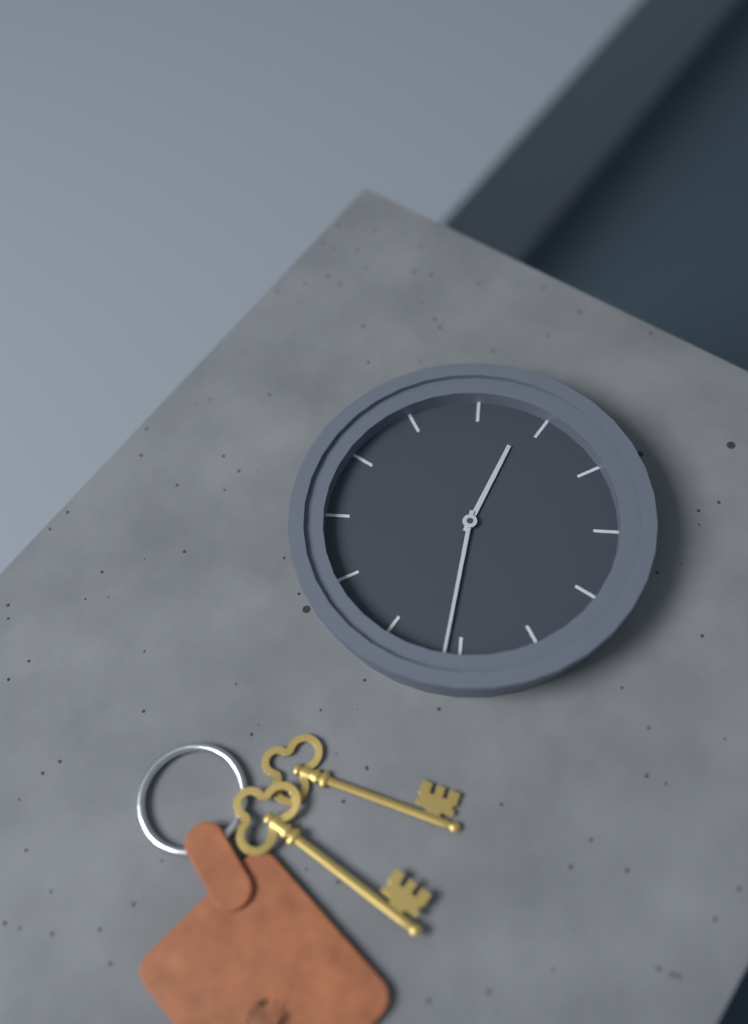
2:41
